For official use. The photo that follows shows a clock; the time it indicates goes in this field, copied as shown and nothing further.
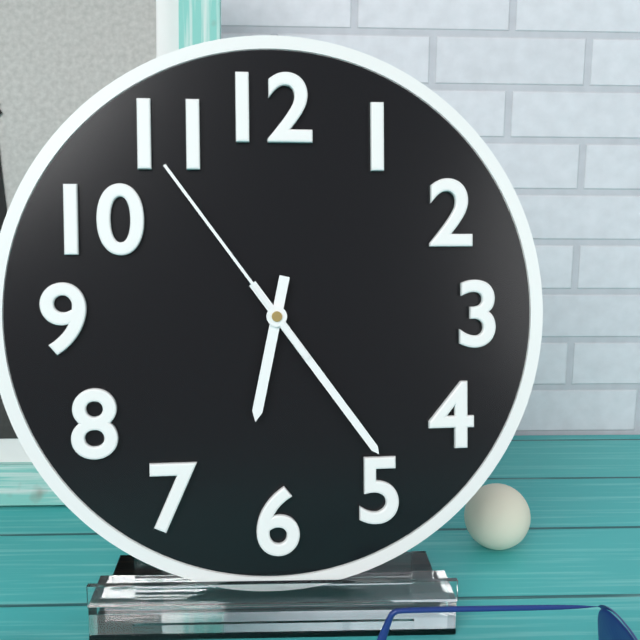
6:24:54
